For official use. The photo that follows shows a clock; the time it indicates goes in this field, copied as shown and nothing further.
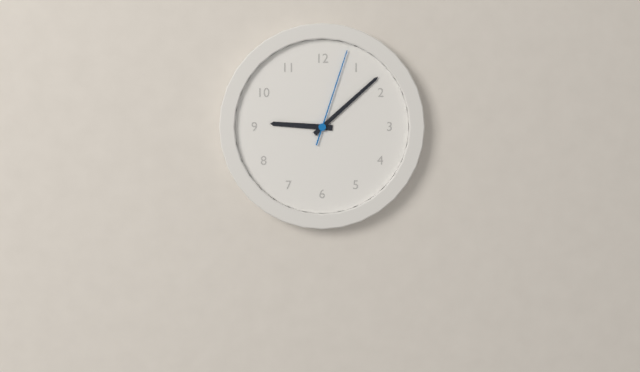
9:08:03
